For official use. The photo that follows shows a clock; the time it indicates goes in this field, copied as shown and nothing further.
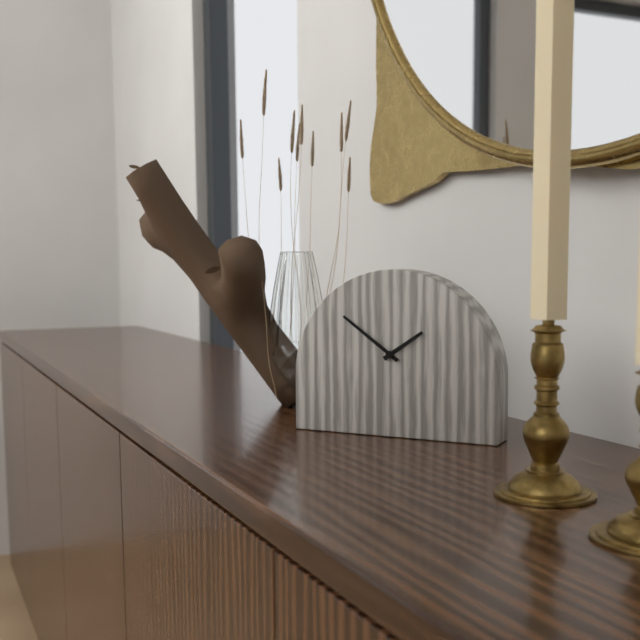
1:51
